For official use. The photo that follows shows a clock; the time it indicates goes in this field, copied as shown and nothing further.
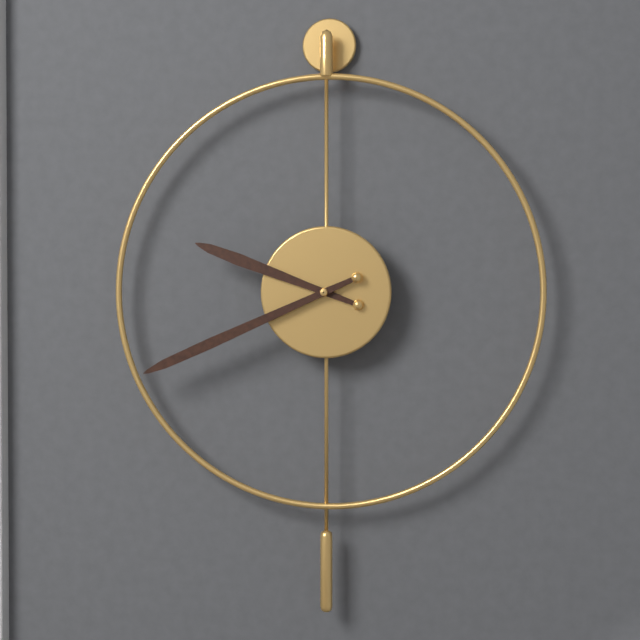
9:41
